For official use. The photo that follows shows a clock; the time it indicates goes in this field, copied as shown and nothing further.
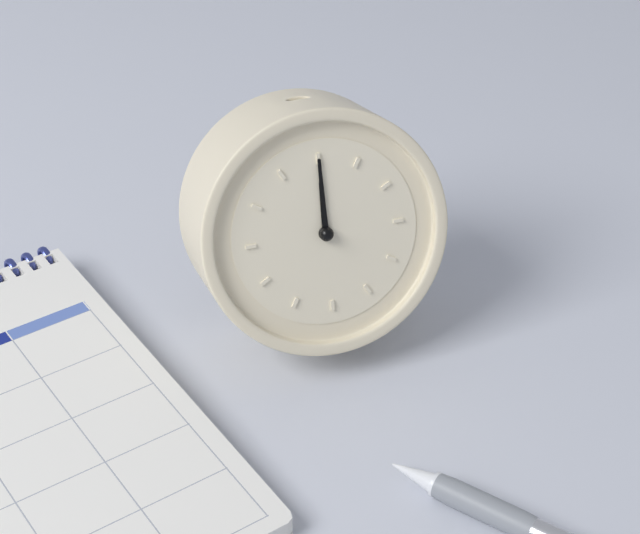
12:00
